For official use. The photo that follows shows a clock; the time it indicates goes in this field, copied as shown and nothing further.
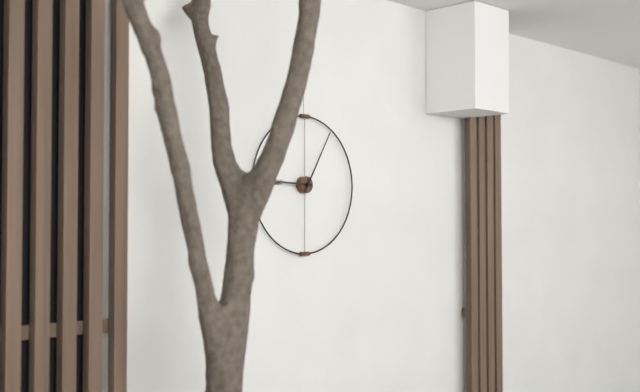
9:05
